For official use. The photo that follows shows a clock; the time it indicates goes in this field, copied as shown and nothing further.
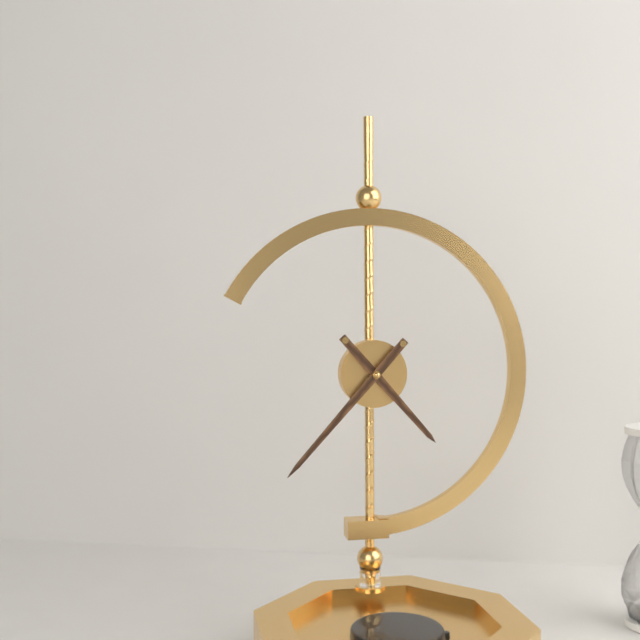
4:37
